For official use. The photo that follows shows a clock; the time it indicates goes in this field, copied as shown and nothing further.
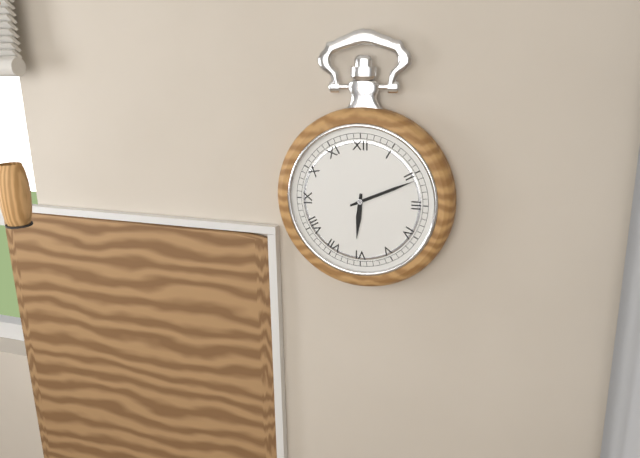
6:11
